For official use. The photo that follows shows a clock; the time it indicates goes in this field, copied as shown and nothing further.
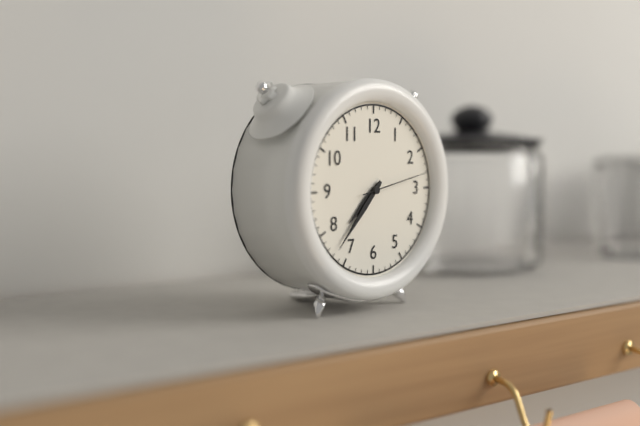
7:37:13
